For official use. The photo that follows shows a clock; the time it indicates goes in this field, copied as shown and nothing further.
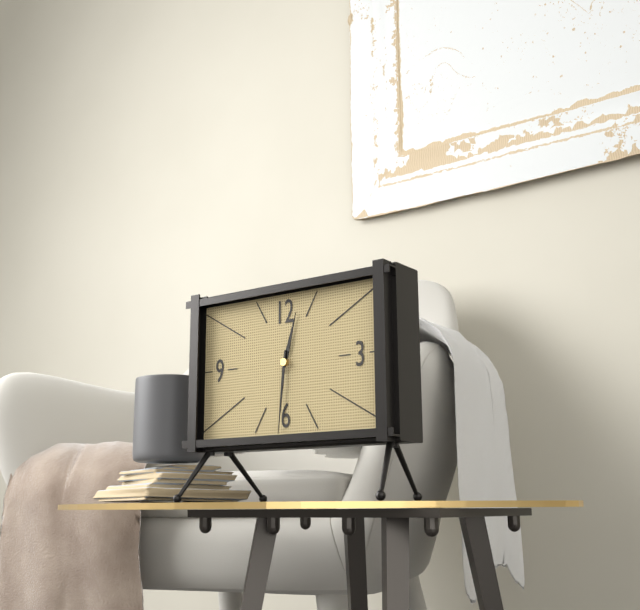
12:31
